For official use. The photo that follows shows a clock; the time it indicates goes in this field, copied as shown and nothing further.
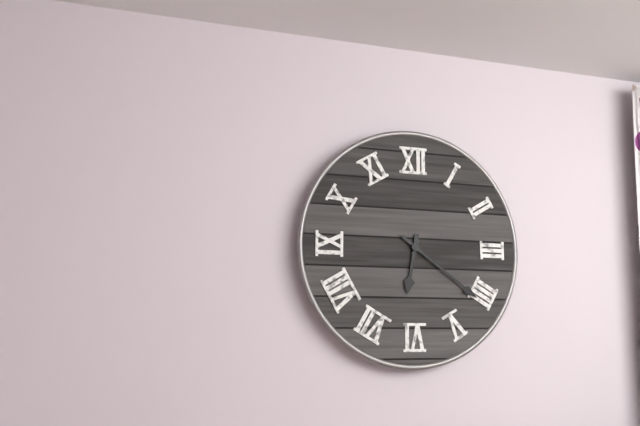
6:21
